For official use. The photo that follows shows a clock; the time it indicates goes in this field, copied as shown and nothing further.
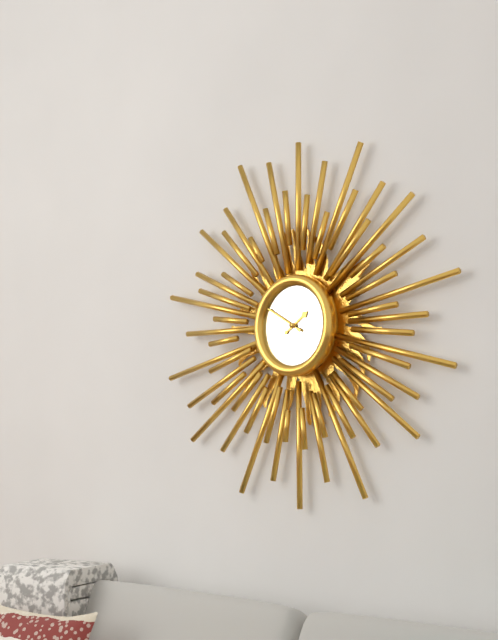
1:50
